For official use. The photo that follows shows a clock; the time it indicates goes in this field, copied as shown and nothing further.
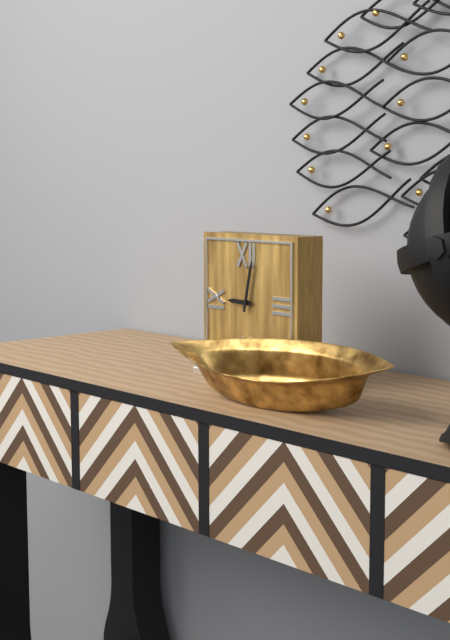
9:02
